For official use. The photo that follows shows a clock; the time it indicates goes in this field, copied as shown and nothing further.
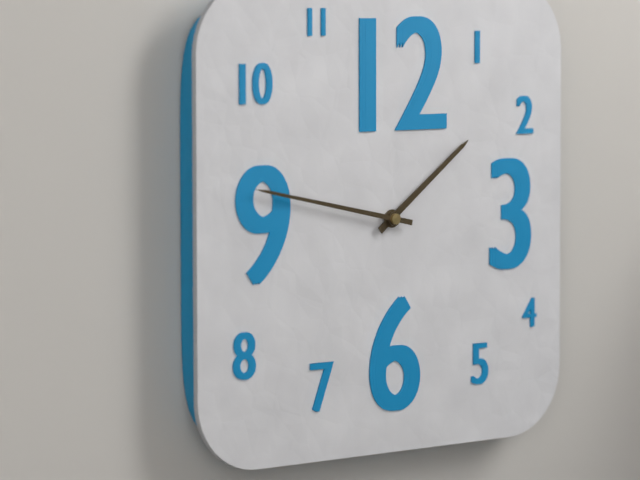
1:47
